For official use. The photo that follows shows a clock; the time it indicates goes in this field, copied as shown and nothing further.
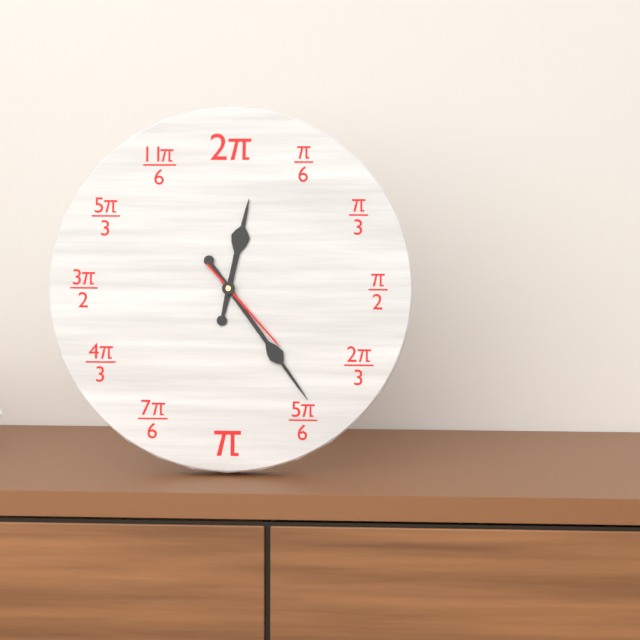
12:24:23
